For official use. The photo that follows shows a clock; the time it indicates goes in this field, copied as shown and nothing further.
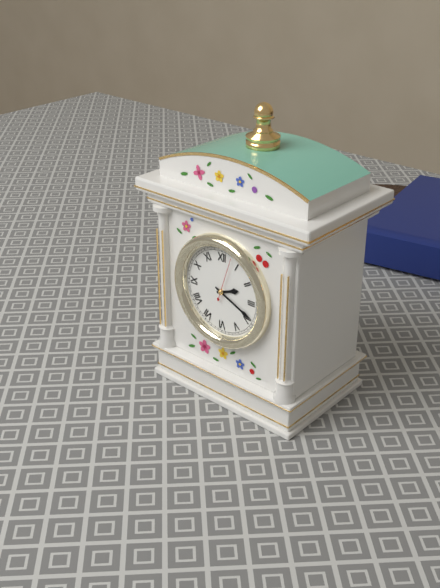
2:19
